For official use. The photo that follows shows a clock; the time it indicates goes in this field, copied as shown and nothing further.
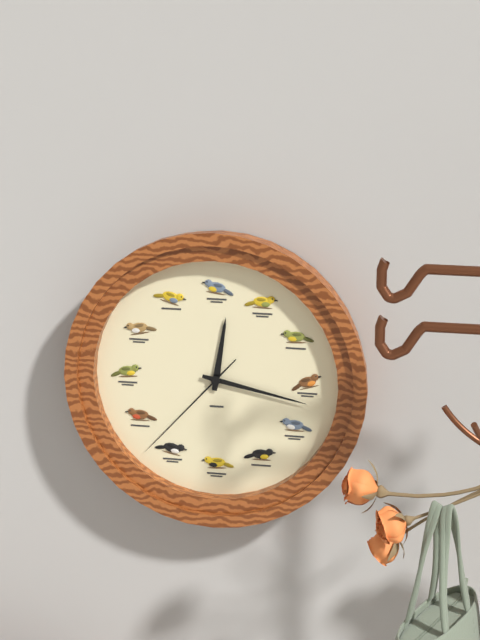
12:17:37
